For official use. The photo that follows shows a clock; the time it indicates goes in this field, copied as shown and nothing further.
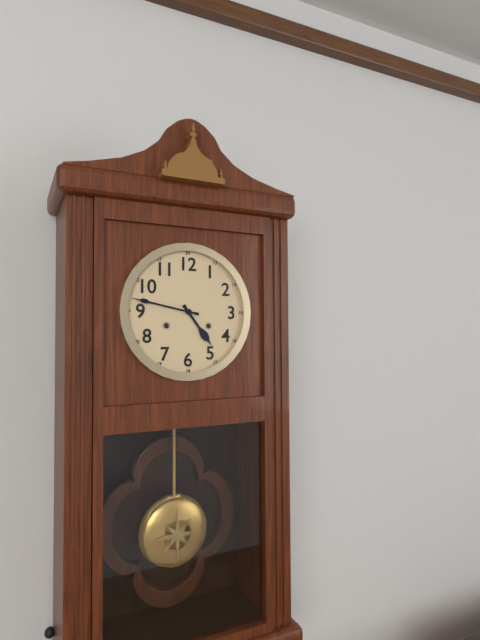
4:47
